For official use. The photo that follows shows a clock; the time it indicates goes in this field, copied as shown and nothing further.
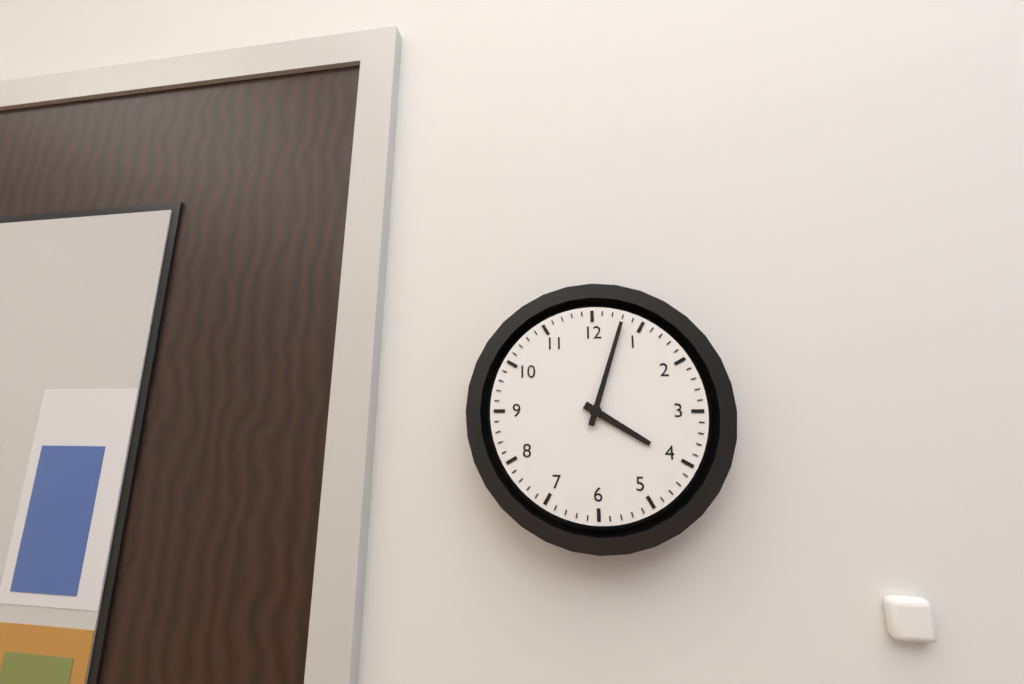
4:03
